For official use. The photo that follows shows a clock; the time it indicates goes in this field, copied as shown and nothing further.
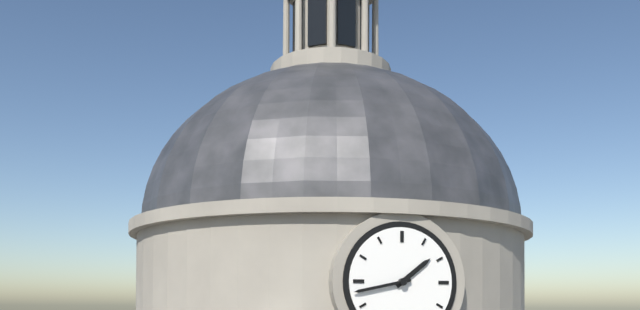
1:43
